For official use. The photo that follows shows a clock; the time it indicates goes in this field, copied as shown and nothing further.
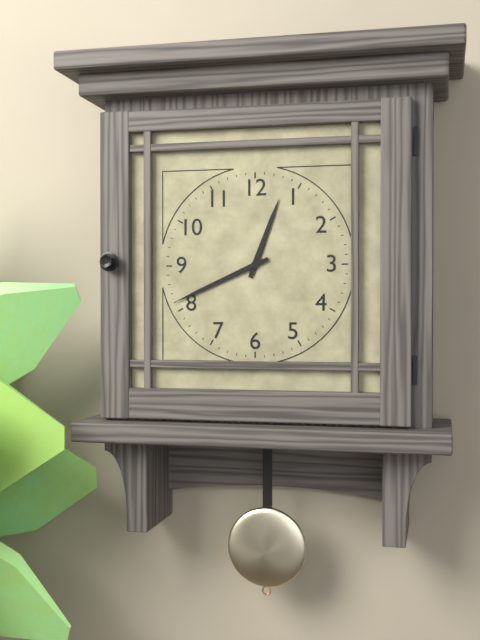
12:41
